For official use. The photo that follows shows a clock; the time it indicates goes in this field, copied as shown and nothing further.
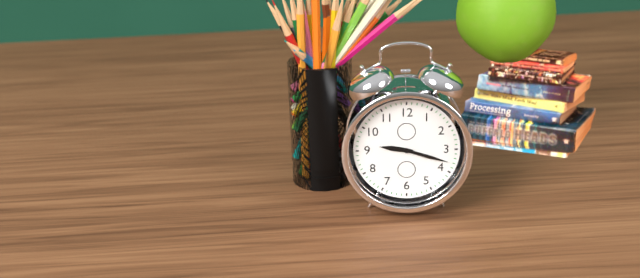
9:18
